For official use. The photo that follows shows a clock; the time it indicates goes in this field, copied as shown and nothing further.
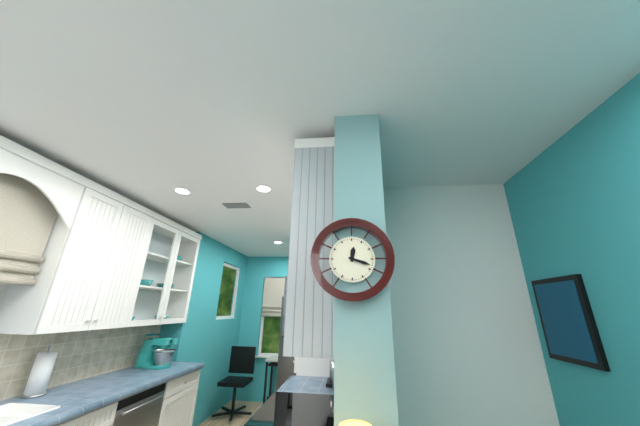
12:18
